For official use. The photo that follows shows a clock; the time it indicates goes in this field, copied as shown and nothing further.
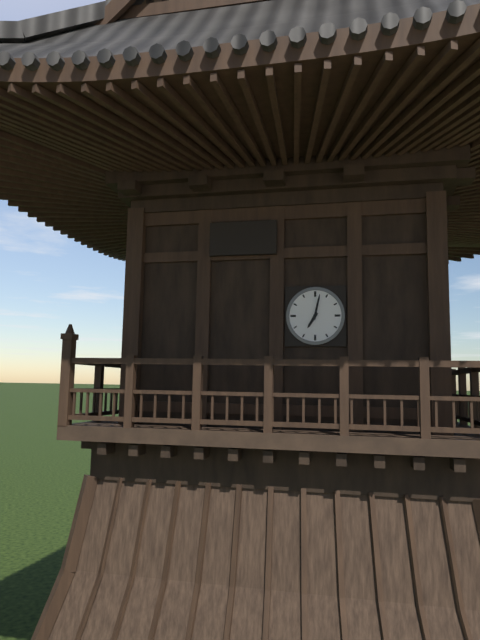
7:02
